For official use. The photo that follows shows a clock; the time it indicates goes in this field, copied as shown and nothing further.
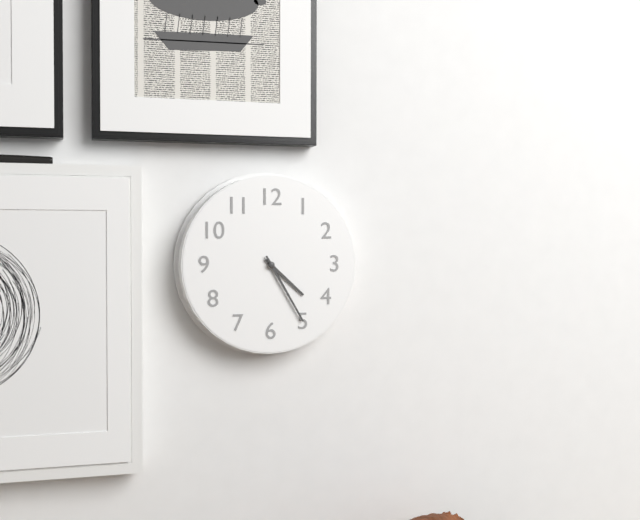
4:25
